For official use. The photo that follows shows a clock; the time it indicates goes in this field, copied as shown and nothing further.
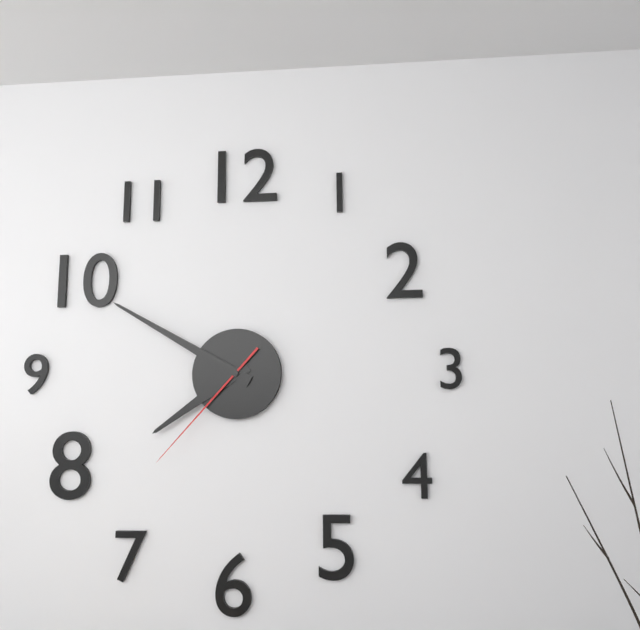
7:50:37
